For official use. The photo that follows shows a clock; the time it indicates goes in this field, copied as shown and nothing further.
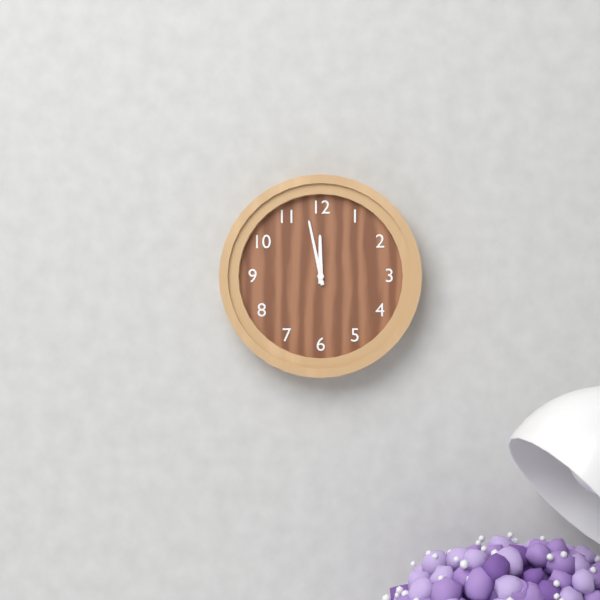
11:58
